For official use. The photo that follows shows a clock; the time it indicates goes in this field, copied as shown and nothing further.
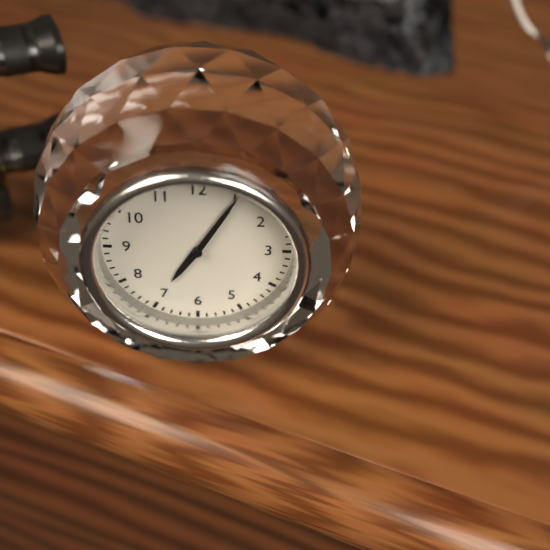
7:05
